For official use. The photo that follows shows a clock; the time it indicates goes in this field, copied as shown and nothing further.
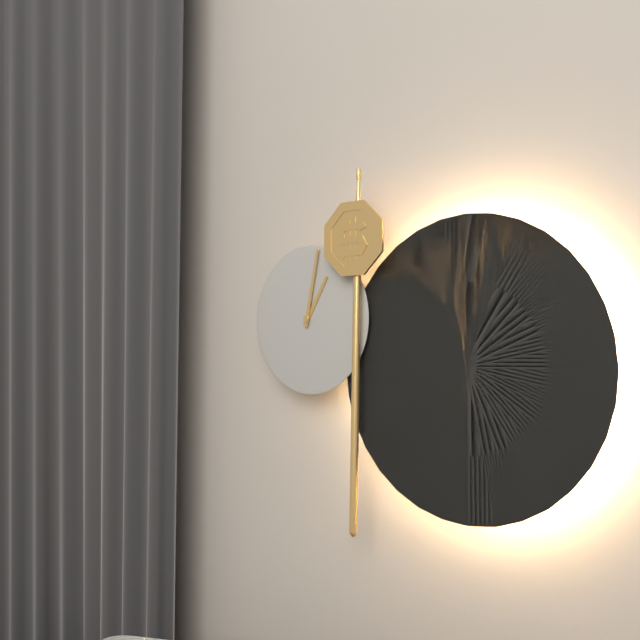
1:02
